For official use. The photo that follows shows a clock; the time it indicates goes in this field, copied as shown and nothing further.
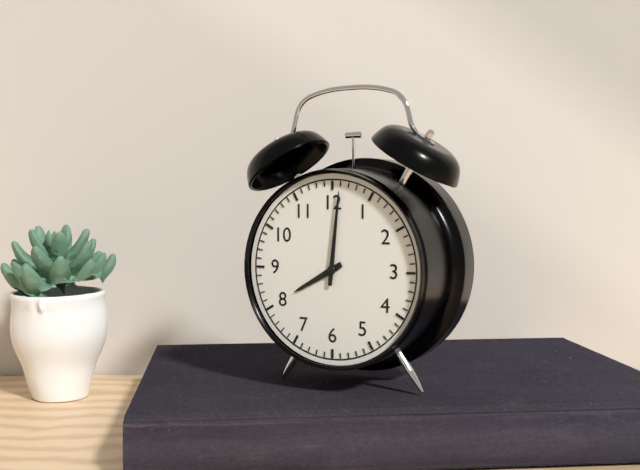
8:01
